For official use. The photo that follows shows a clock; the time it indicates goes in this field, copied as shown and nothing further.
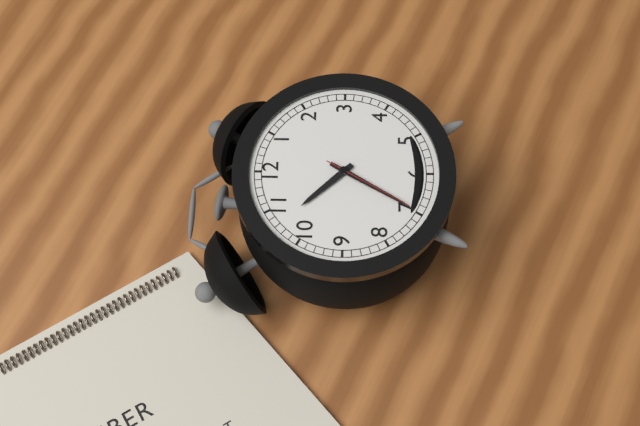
10:35:35
